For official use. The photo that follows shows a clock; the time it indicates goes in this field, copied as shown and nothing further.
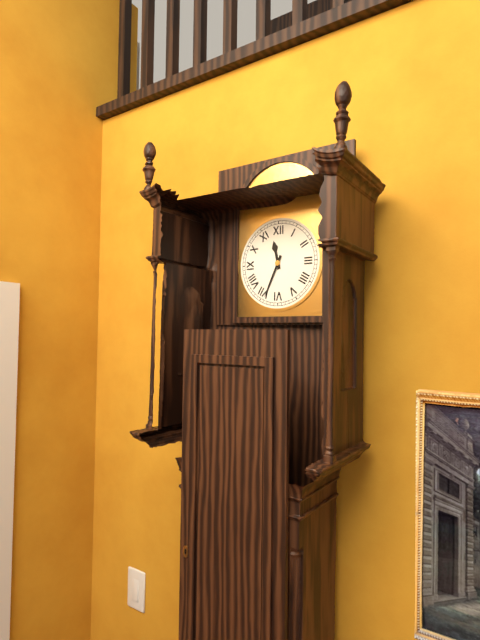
11:34
